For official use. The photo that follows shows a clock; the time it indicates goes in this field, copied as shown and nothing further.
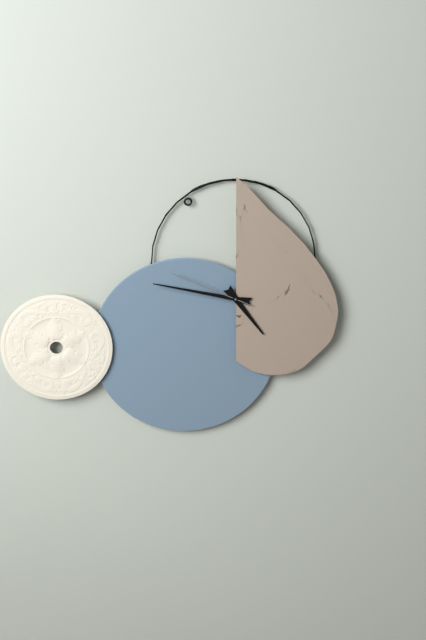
4:47:49
